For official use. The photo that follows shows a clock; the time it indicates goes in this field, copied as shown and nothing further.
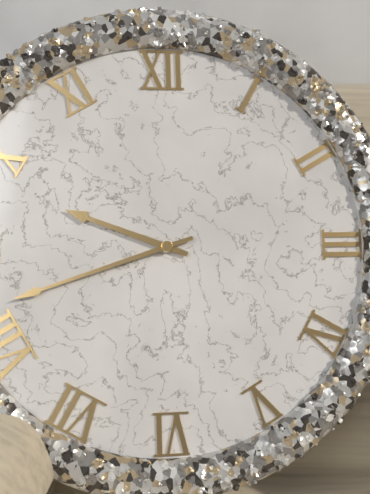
9:42
